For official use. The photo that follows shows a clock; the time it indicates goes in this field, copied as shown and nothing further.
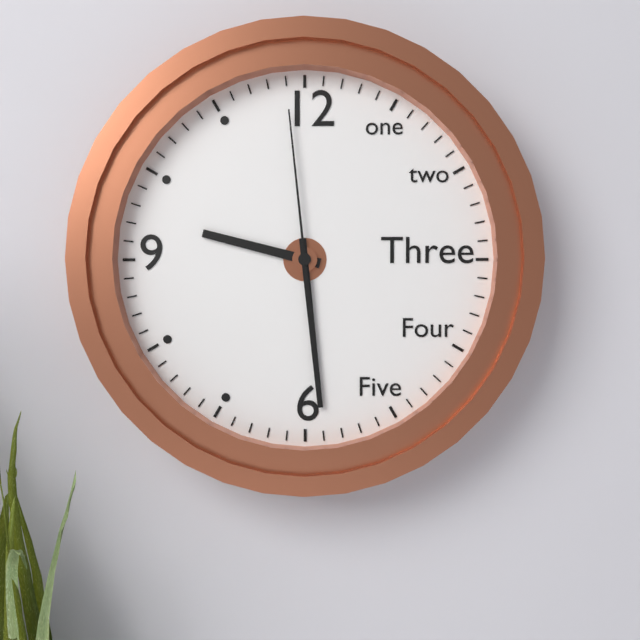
9:29:59
